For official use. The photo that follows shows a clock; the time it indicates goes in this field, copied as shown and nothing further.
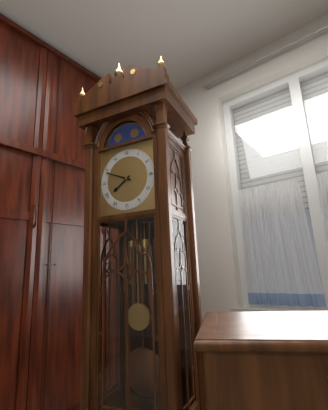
7:49
